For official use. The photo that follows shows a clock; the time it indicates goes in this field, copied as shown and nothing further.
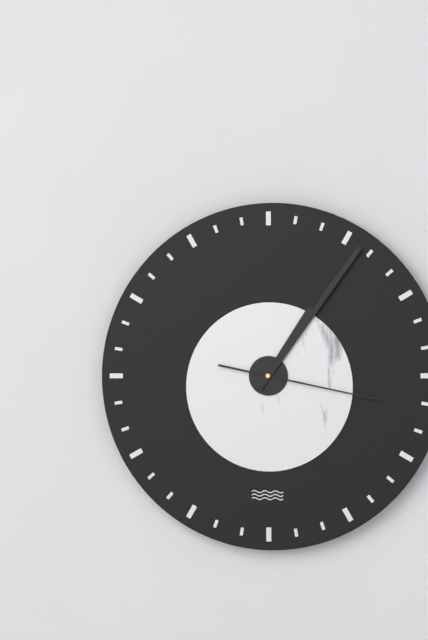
1:06:17
